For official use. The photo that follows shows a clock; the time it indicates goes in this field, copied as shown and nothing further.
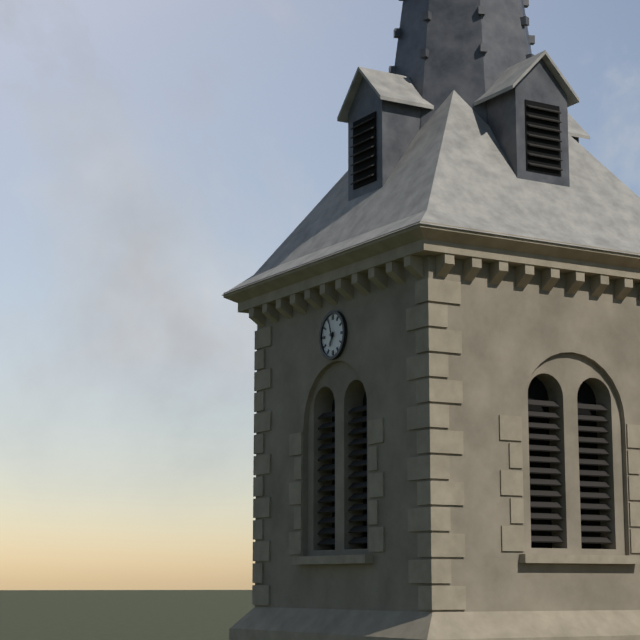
6:57
